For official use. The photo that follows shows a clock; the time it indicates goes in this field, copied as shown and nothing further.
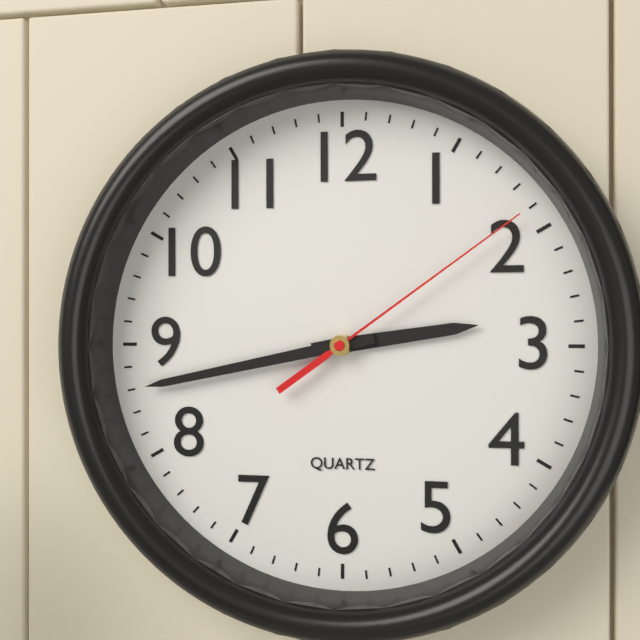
2:43:09
